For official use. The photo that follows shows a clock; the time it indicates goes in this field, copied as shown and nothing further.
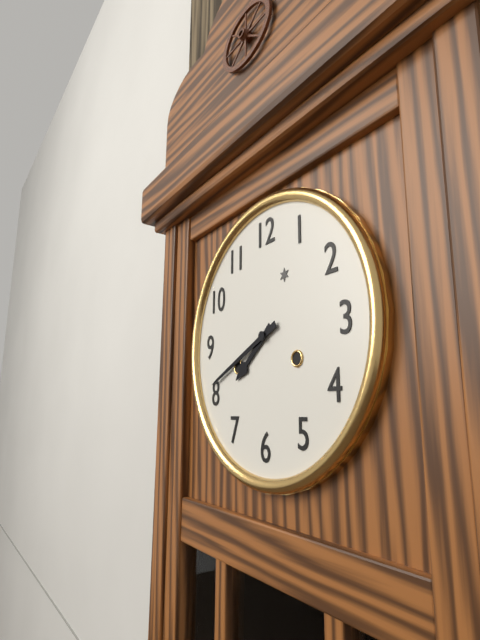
7:41
